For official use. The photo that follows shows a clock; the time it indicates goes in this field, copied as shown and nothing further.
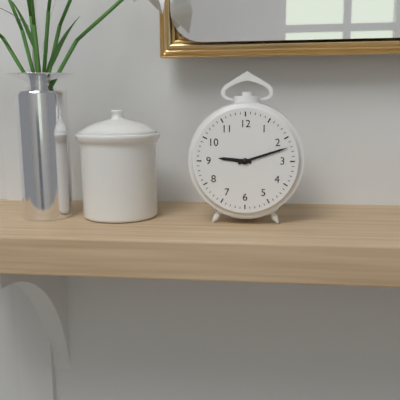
9:12
